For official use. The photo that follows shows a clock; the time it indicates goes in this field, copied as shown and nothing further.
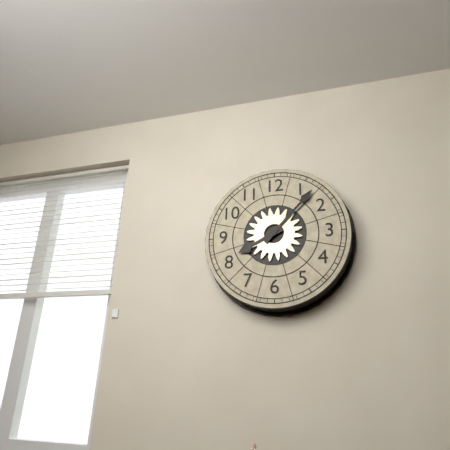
8:07
